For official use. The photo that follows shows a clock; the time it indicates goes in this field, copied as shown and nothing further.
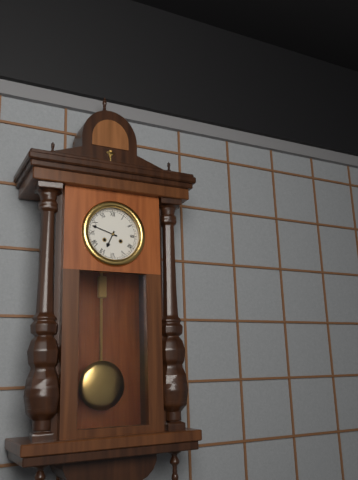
6:48
